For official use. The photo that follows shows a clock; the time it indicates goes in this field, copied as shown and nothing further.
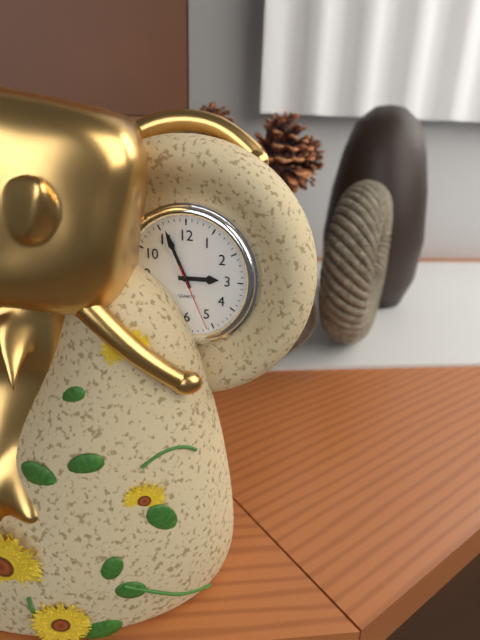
2:56:26
